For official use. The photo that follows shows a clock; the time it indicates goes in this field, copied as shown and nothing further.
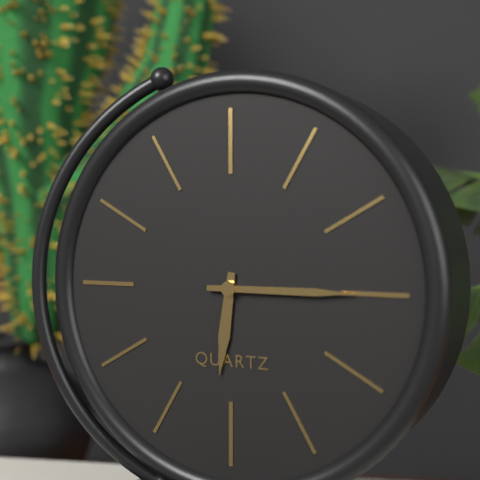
6:15
